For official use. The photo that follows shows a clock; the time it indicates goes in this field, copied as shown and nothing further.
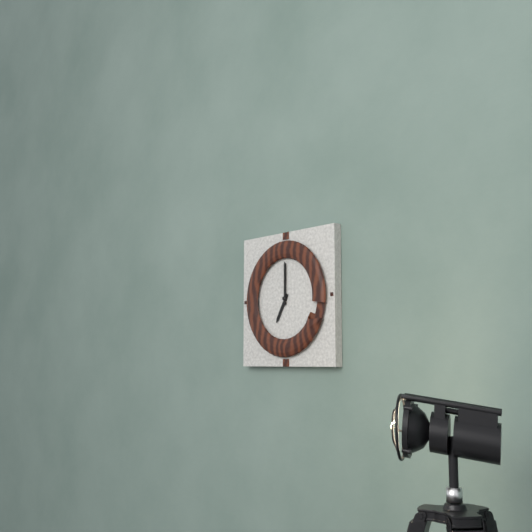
7:00
